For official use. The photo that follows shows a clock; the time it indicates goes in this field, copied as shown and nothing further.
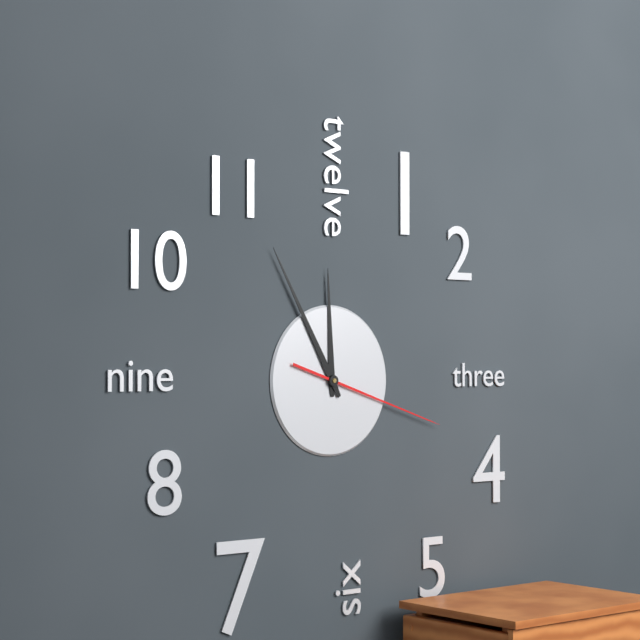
11:55:18
